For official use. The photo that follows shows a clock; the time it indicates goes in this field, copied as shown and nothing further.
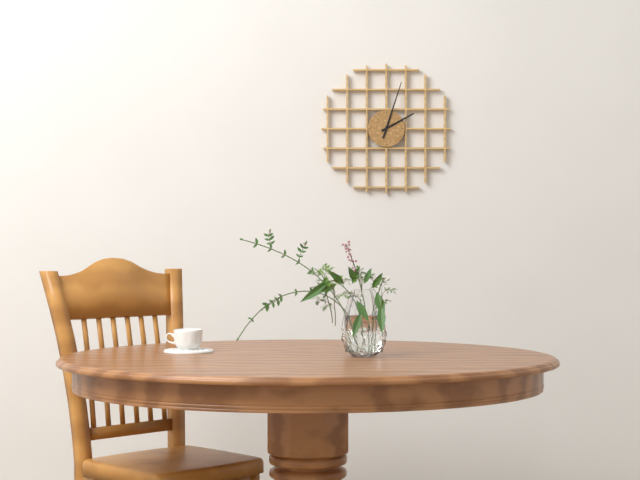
2:03
